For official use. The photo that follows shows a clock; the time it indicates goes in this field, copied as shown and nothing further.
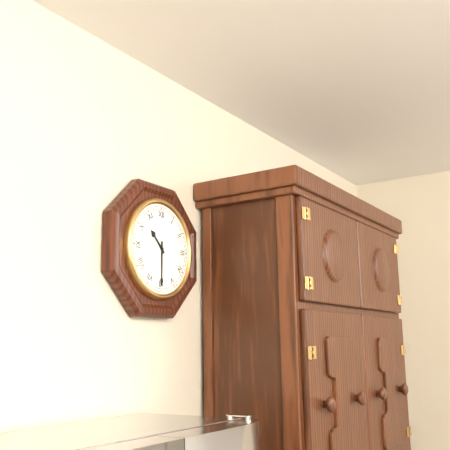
10:30
